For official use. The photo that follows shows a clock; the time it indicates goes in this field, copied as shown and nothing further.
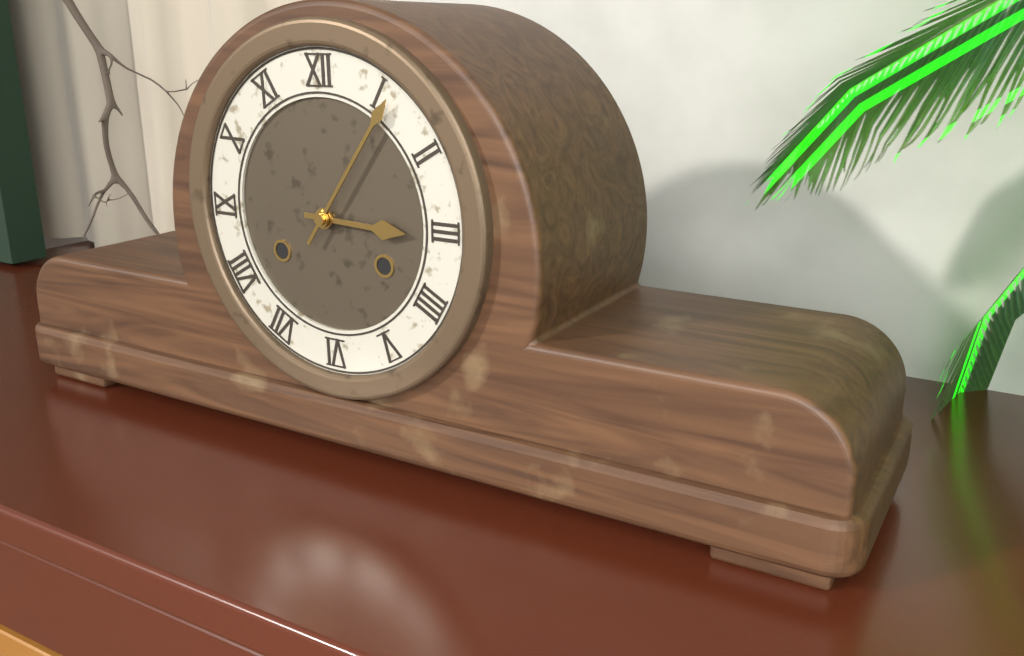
3:06
